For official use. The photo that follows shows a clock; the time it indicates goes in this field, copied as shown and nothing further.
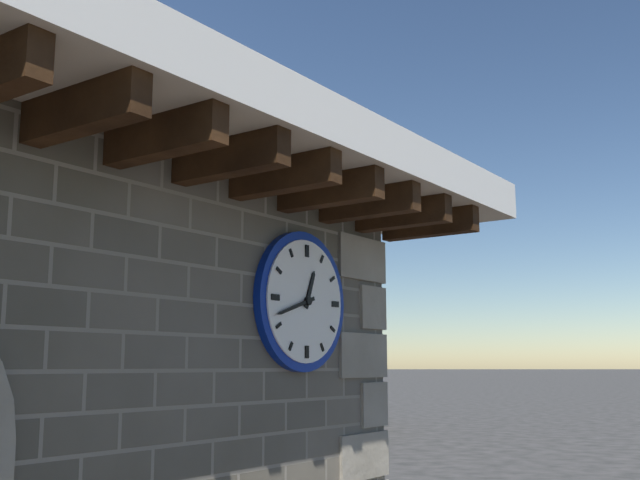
12:42
